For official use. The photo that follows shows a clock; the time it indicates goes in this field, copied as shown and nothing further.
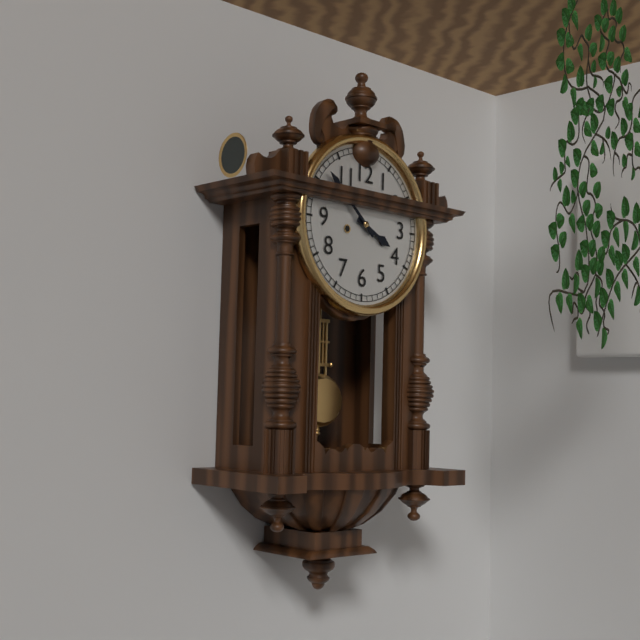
3:52
